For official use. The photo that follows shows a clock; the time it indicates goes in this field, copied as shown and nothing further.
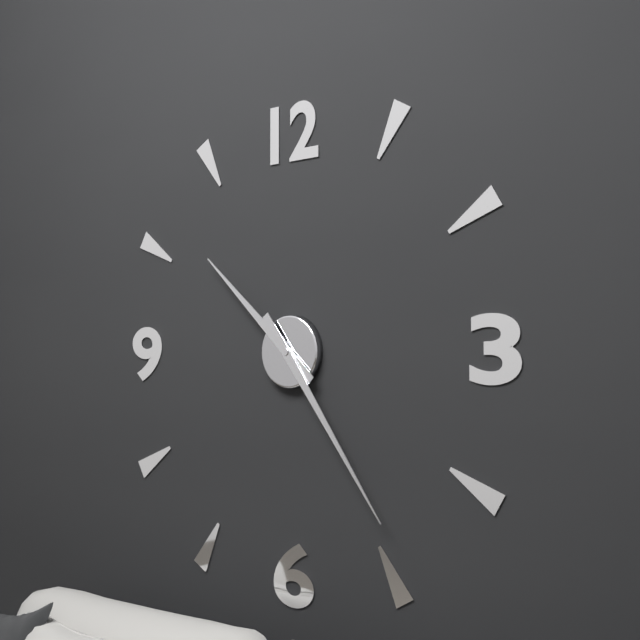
10:24
